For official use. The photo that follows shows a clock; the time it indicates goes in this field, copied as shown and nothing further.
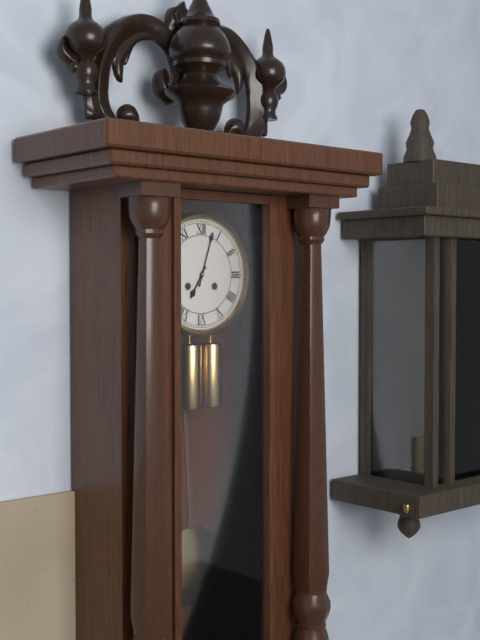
7:03
